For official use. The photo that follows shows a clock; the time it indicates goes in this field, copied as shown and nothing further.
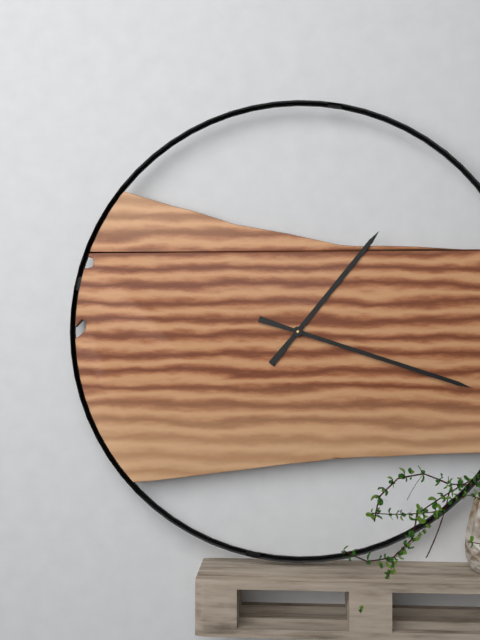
1:18
